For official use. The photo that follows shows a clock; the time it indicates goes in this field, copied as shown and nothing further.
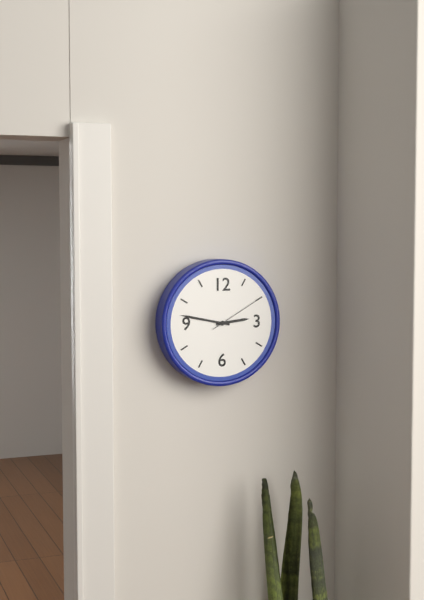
2:47:10
